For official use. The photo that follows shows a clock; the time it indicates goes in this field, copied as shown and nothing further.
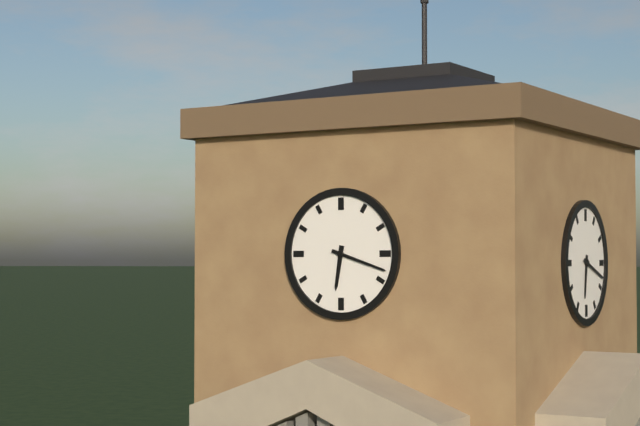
6:18
